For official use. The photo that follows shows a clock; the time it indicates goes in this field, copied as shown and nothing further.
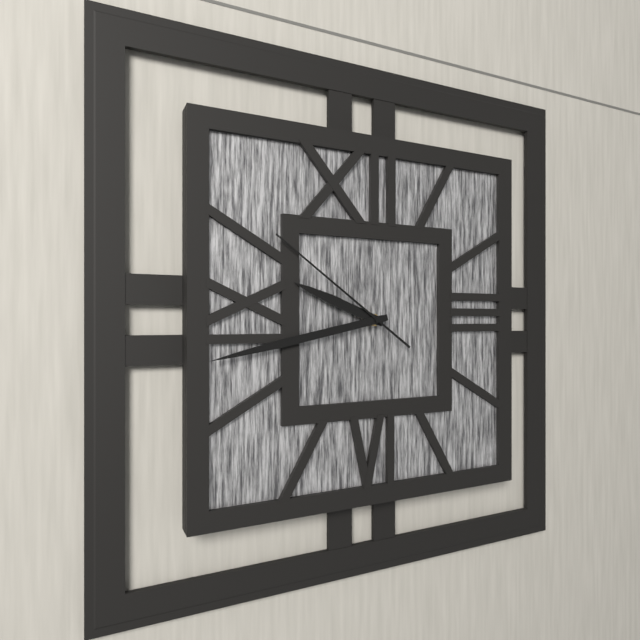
9:43:51
